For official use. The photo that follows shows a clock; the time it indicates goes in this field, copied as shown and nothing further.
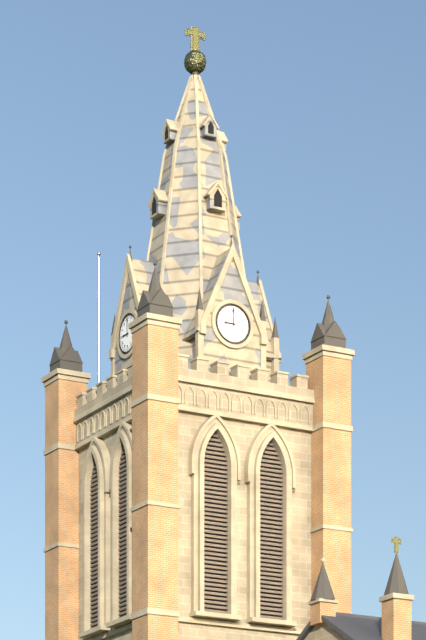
9:00
